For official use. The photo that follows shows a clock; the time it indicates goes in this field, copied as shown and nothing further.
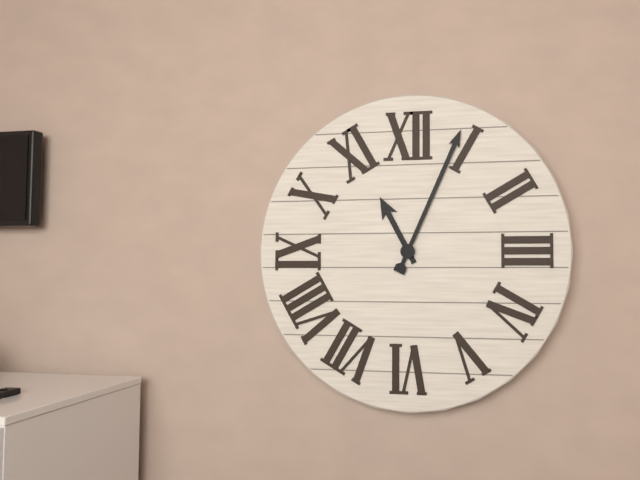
11:04
